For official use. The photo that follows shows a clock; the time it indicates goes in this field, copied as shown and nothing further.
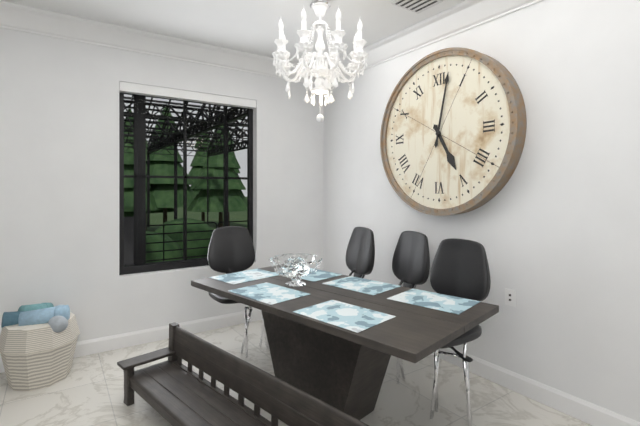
5:02
